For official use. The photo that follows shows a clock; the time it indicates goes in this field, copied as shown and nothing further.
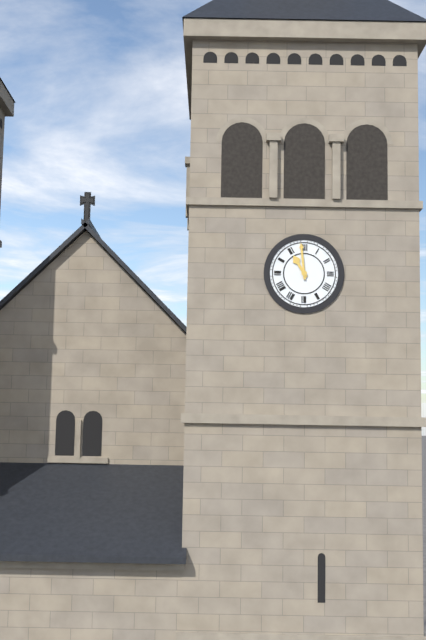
10:59
